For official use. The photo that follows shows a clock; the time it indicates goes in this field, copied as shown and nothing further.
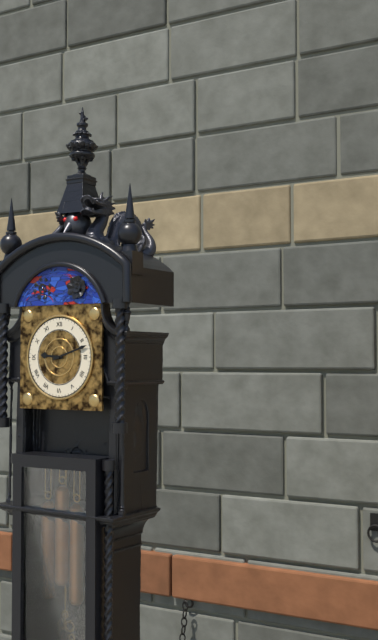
9:12
